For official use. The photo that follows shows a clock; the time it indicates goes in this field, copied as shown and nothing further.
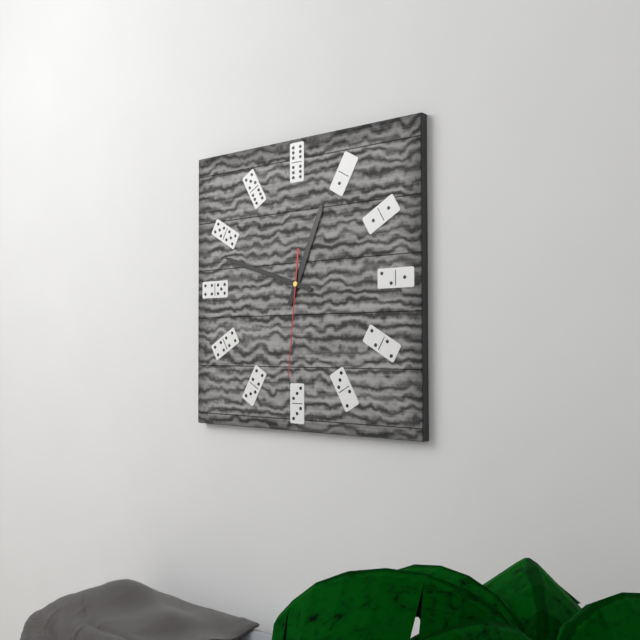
12:48:31
